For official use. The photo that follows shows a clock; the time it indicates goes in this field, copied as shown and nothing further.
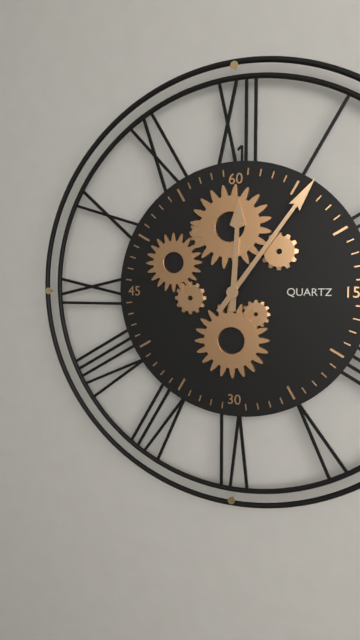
12:06
